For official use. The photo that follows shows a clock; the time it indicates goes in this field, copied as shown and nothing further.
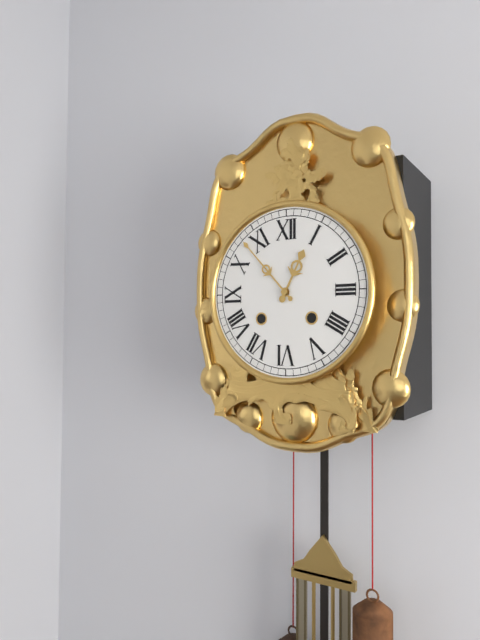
12:53
